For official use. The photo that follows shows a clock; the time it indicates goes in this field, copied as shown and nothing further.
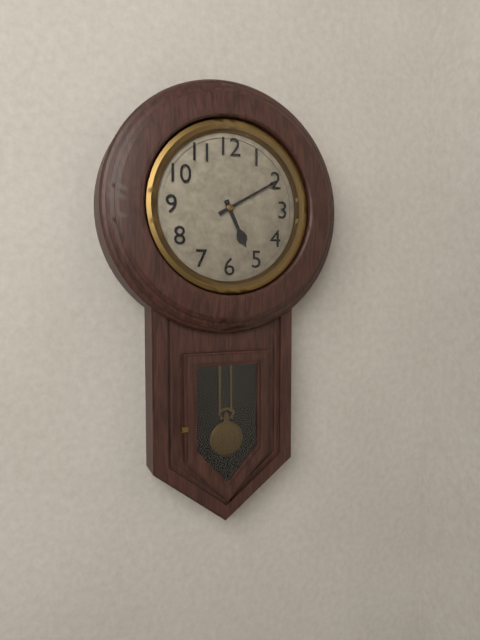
5:10
